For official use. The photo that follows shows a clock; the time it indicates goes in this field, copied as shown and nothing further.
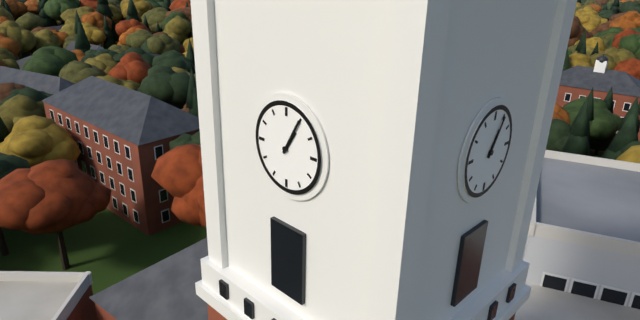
1:05
